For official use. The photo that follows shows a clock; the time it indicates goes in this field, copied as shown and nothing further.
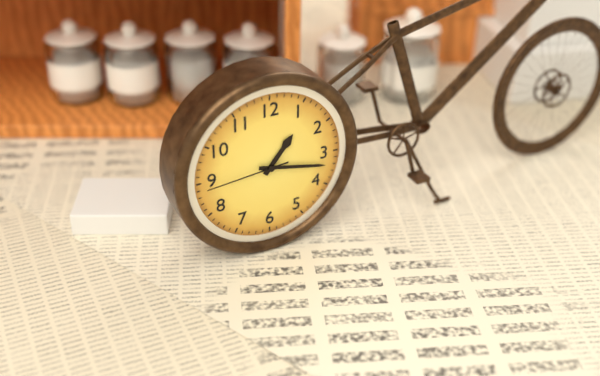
1:17:44
